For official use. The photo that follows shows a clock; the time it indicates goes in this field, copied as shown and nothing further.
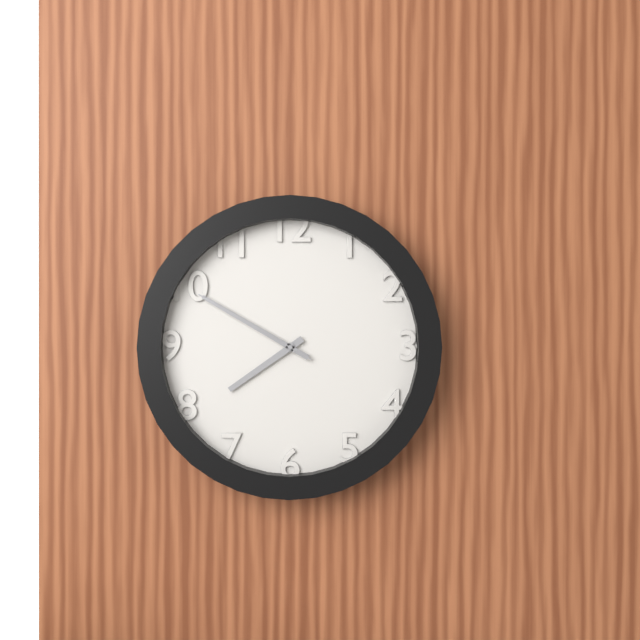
7:50:50
